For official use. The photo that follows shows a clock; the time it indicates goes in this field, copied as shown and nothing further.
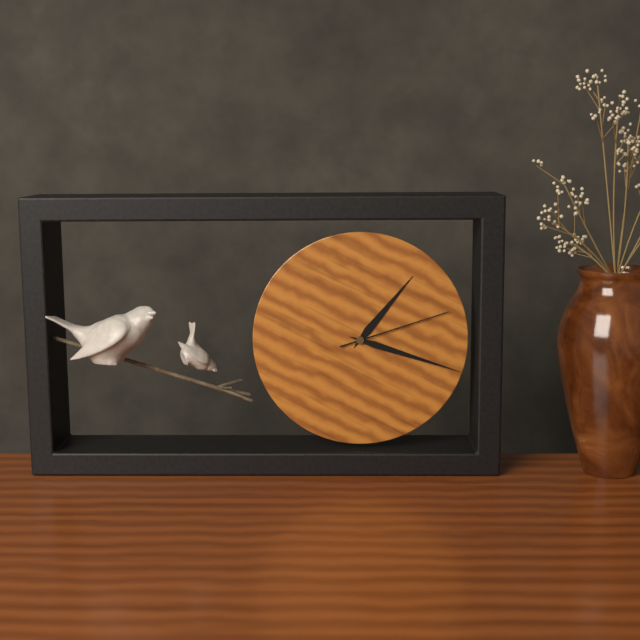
1:18:12
